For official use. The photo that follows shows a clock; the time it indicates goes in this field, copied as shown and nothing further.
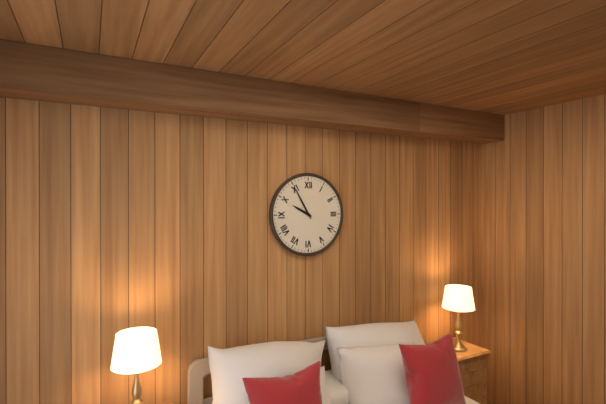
9:55
